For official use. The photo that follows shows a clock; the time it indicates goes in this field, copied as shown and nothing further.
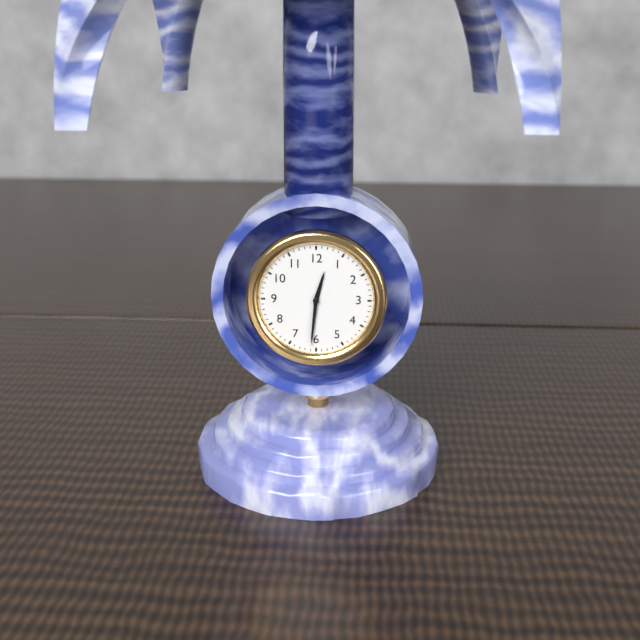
12:31
